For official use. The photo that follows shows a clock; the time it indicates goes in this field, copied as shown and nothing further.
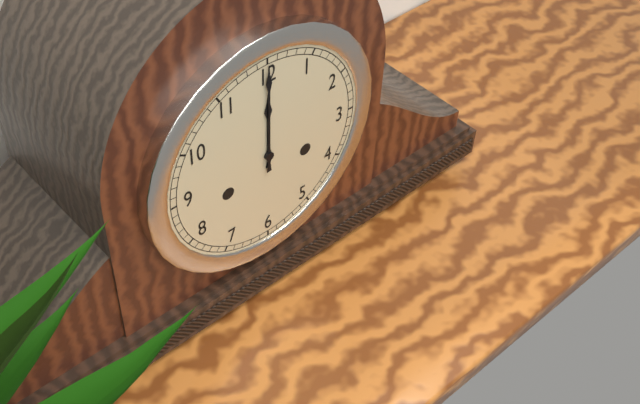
12:00
